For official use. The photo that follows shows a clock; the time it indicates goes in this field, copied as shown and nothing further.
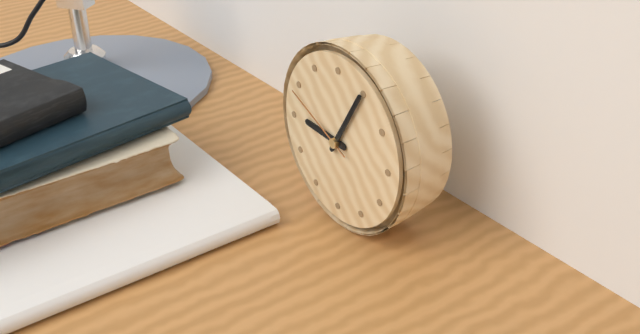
9:05:49
